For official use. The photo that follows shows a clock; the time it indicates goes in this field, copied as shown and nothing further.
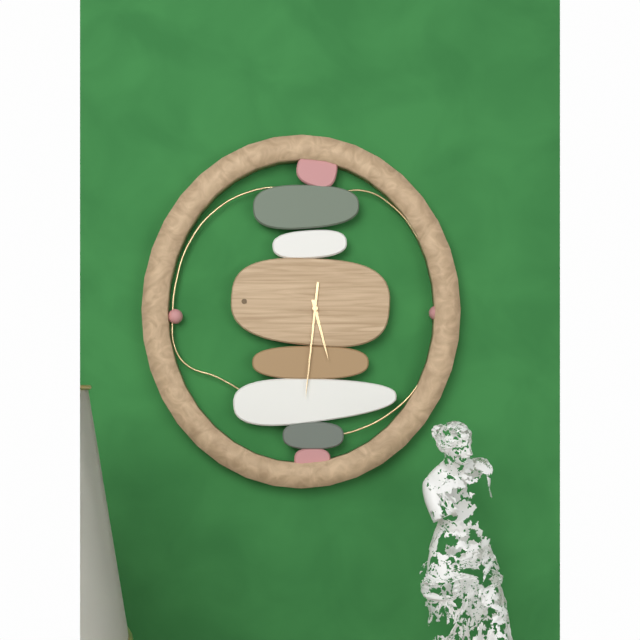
5:31
